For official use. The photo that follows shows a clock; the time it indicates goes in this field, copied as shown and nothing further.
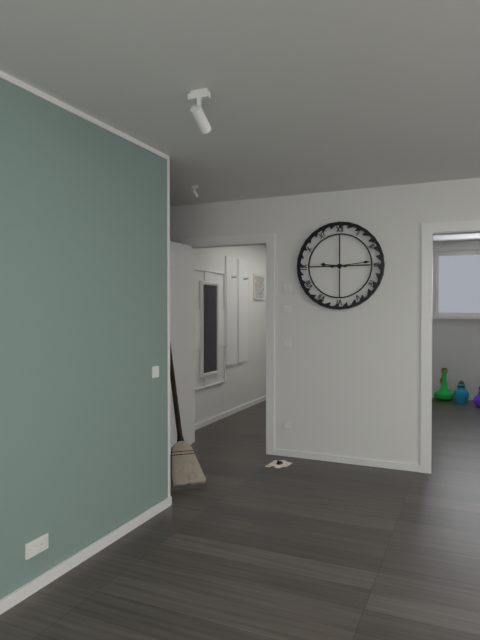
9:14
